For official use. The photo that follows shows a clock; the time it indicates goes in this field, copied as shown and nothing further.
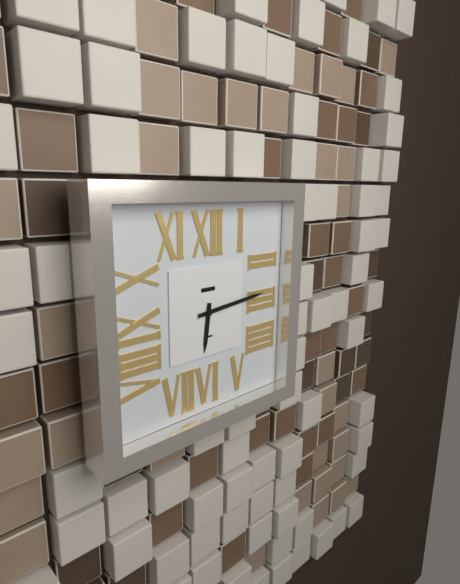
6:14
